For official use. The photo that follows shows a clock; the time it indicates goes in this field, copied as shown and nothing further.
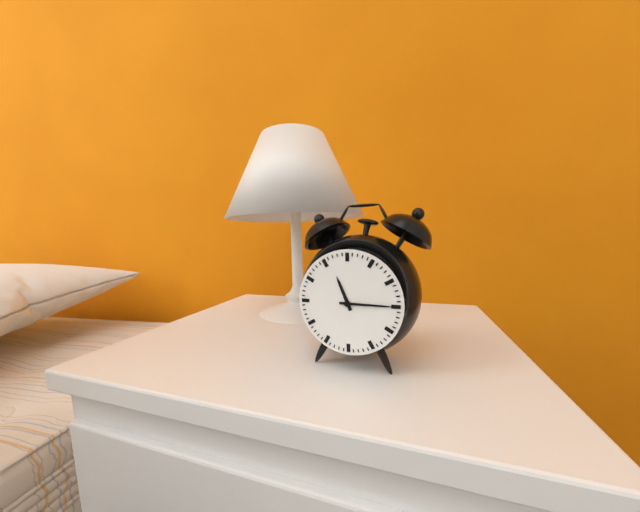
11:15
